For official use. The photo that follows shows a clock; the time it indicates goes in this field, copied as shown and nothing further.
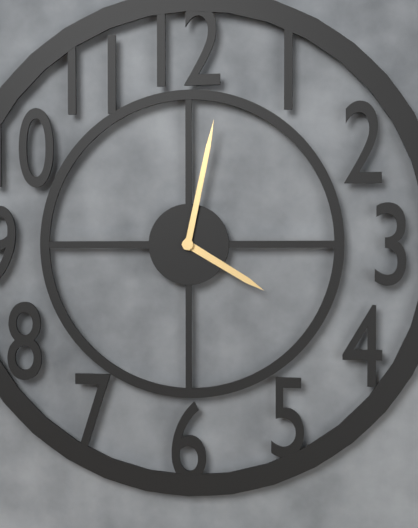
4:02
